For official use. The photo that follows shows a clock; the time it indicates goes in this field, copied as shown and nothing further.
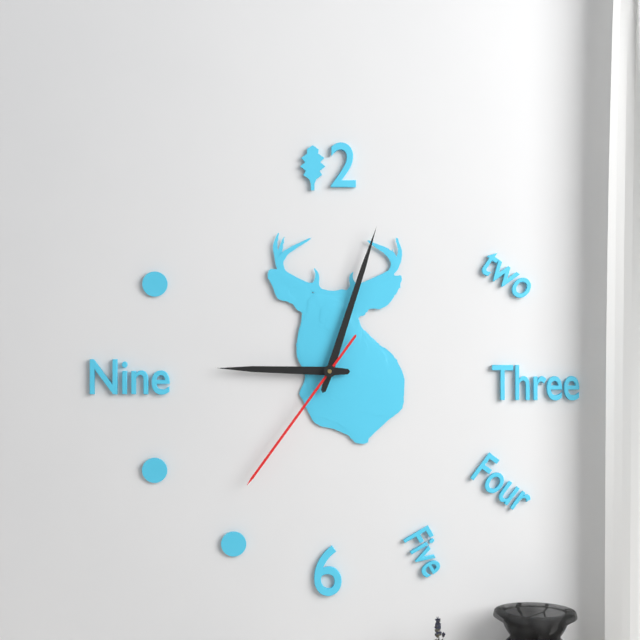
9:03:36
